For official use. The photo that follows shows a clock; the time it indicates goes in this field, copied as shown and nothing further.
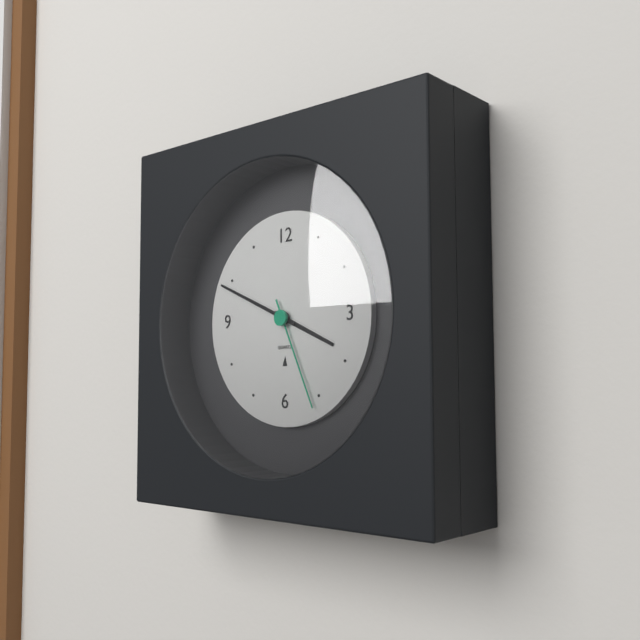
3:49:26
